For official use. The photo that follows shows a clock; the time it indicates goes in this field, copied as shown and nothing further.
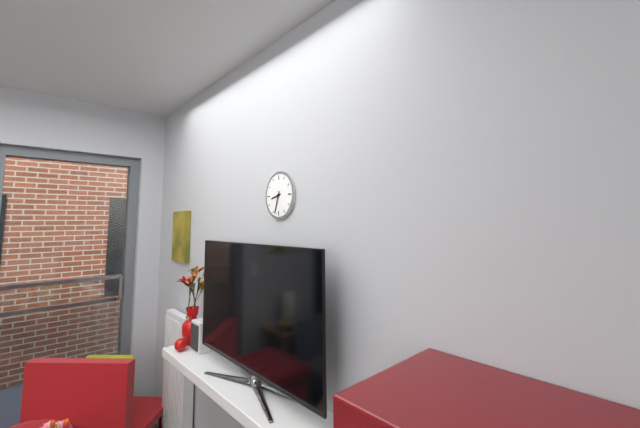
8:33
